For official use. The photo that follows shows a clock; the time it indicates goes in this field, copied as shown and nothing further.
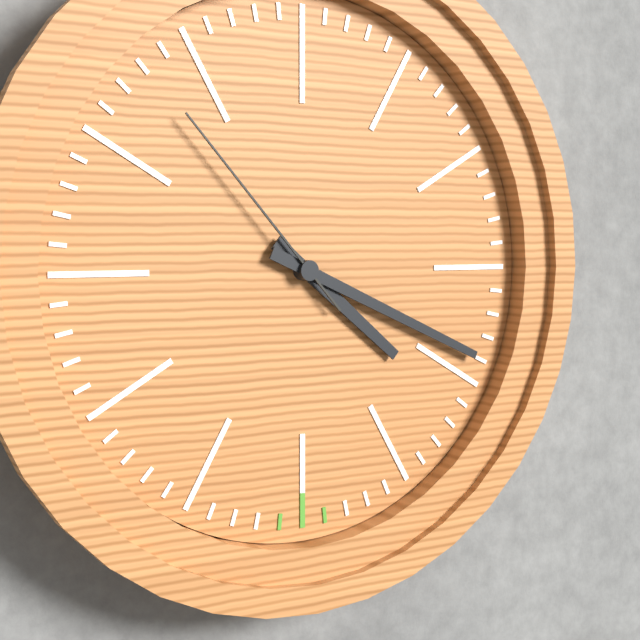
4:19:53
